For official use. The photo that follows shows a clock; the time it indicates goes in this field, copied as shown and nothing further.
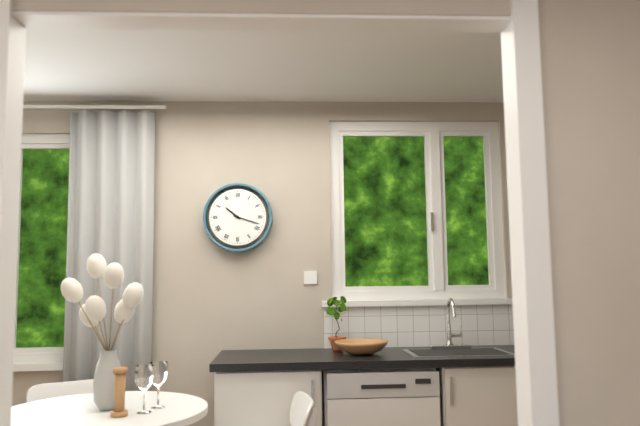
10:18
